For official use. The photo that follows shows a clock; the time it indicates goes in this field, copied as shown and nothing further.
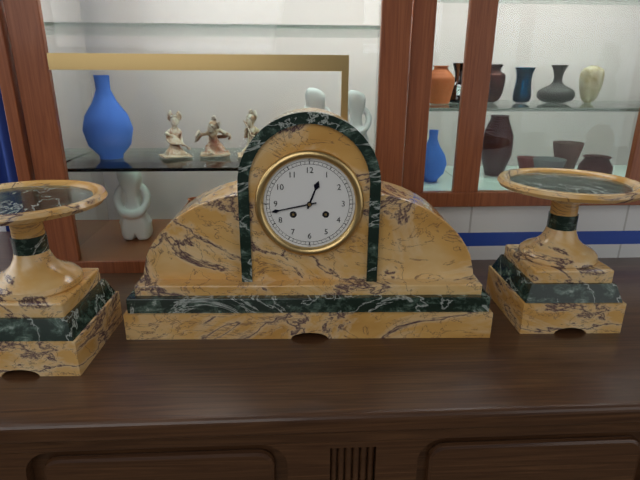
12:43
